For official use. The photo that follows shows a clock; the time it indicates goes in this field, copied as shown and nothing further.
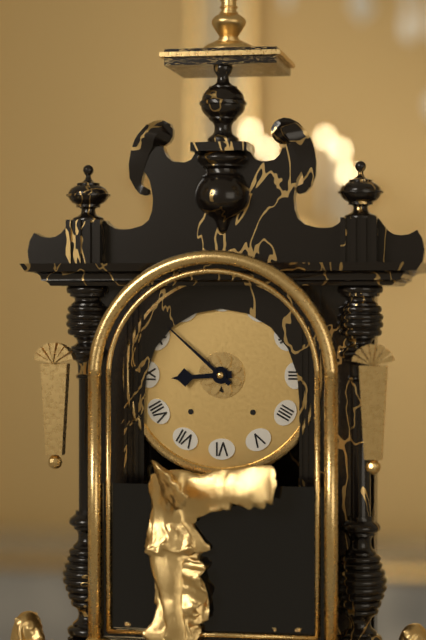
8:52
